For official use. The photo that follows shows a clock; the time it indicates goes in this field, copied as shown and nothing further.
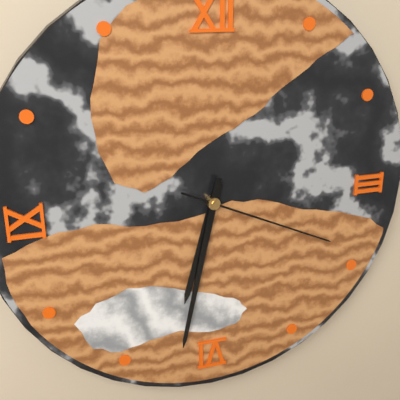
6:32:19
